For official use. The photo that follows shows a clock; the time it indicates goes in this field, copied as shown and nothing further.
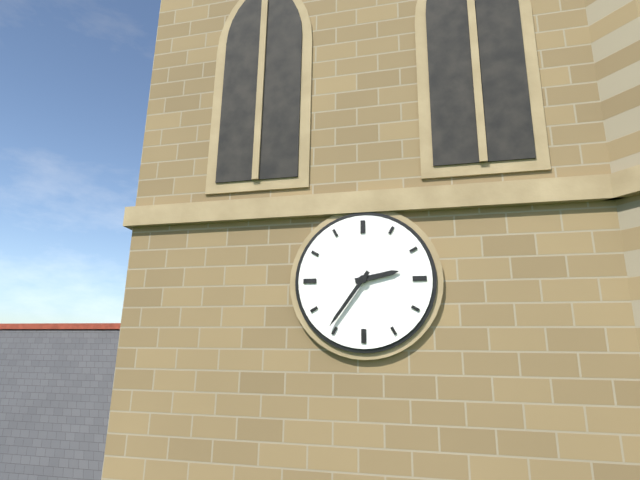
2:36
